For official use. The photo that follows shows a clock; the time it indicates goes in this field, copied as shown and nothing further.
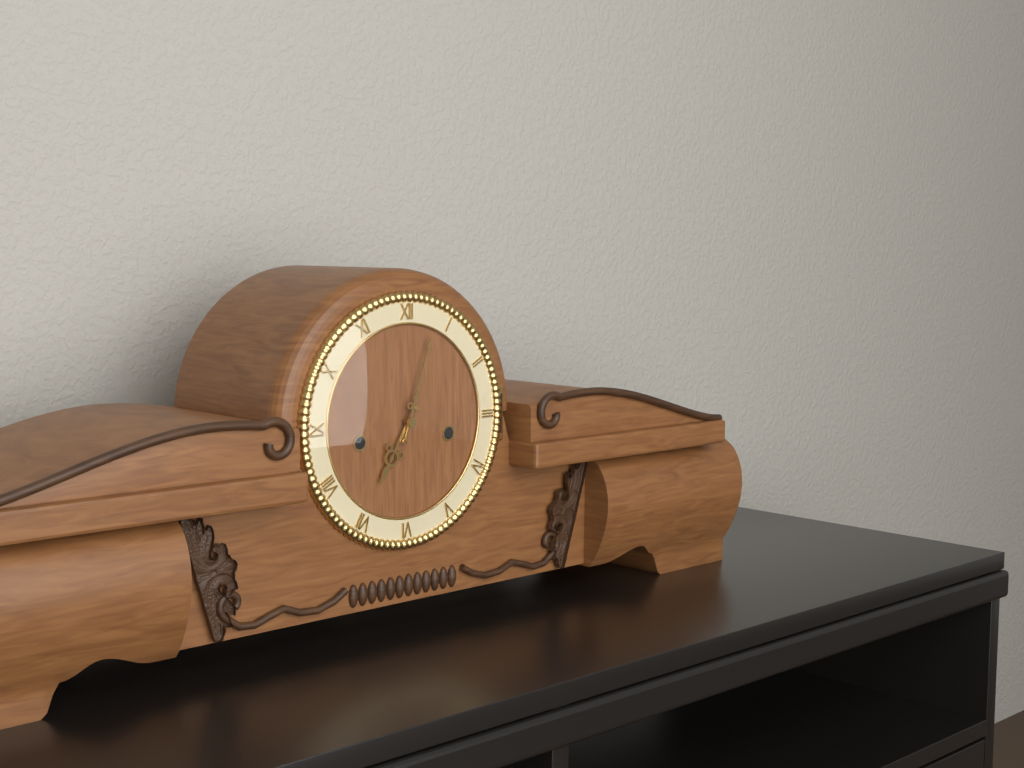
7:03
